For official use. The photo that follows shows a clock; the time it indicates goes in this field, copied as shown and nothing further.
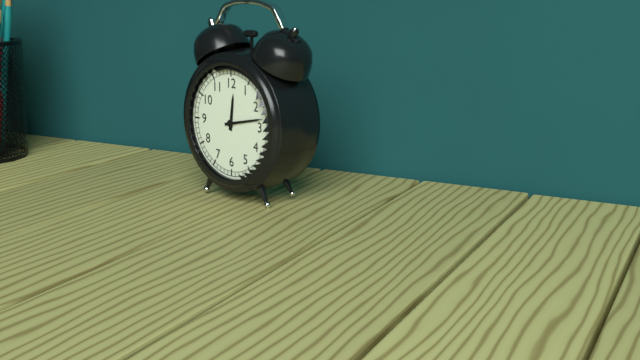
12:13
